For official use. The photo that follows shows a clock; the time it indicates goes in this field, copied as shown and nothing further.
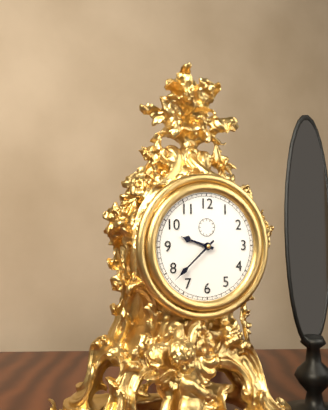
9:38
